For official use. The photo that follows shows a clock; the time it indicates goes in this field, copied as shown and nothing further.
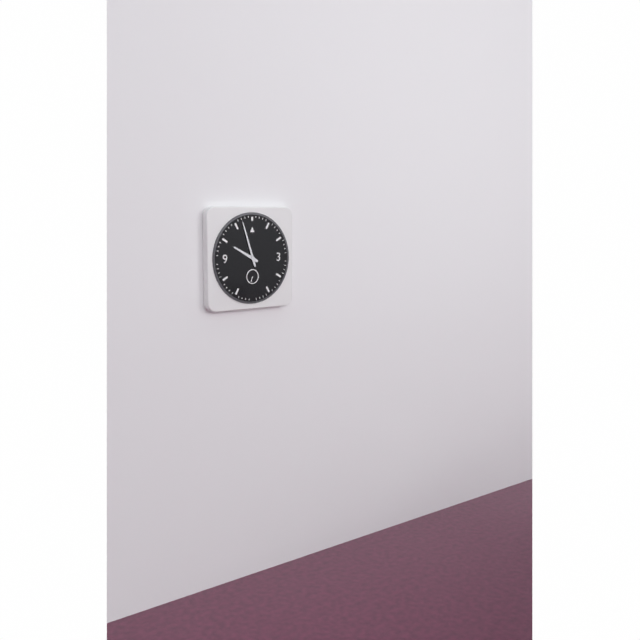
9:57
